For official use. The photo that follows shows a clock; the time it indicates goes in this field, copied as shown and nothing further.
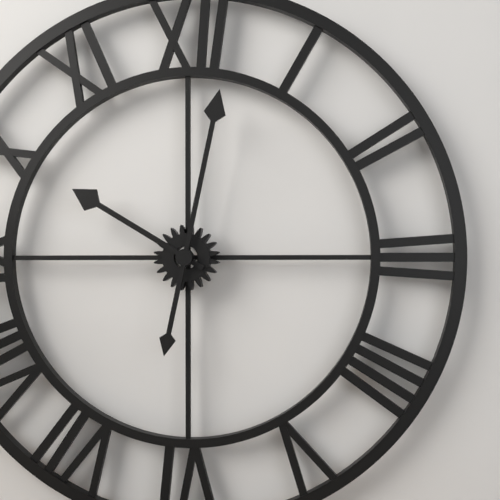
10:02
